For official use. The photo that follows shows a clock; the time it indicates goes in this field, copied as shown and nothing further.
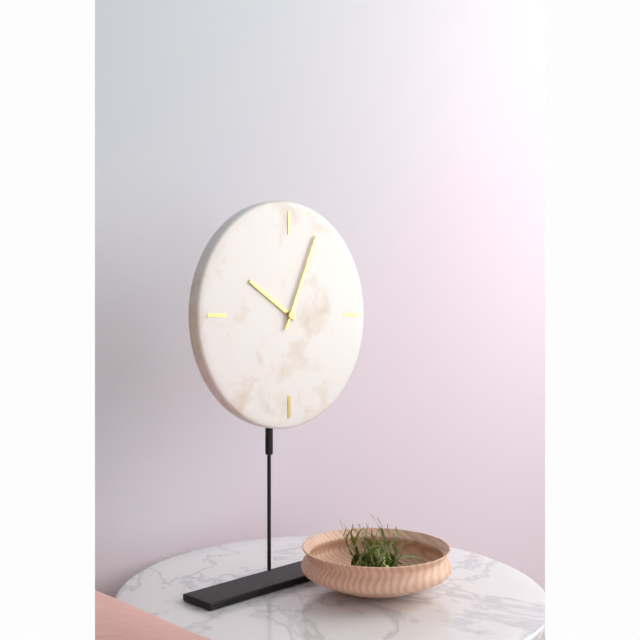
10:04
